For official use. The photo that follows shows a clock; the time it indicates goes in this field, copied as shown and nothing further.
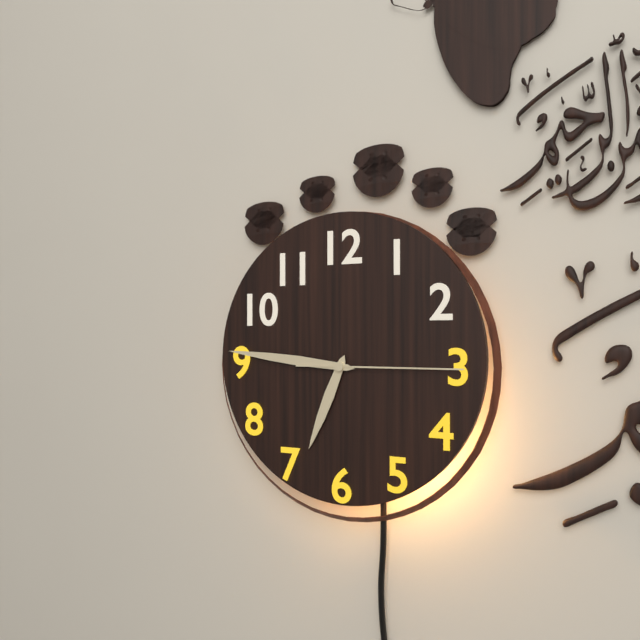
6:46:15
